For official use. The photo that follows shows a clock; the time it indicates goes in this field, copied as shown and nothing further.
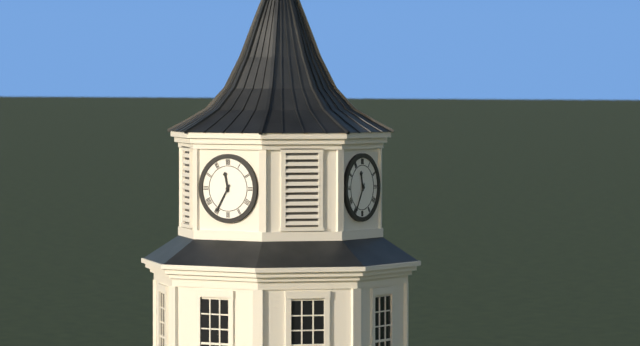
11:35
